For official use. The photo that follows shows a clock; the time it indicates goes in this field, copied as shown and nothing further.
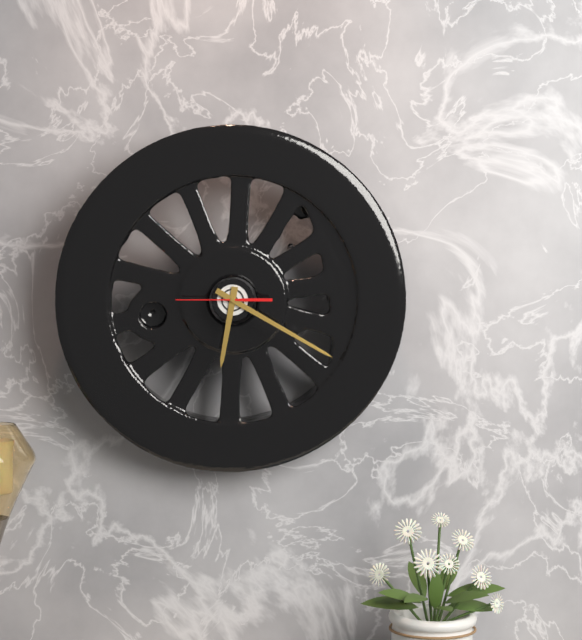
6:20:45
